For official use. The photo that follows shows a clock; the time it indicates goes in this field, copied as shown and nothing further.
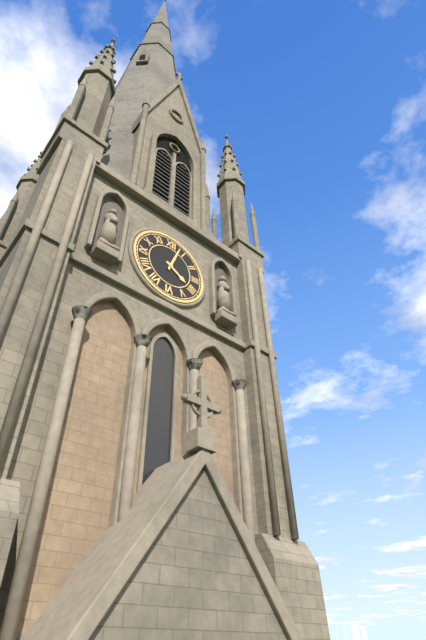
4:03
